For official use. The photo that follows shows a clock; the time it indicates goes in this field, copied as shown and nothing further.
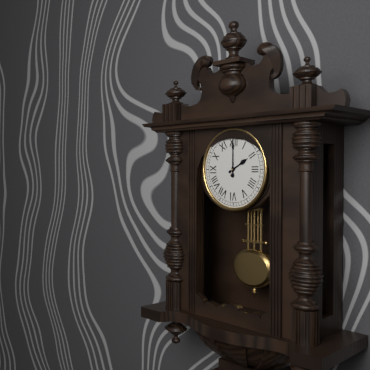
2:00
